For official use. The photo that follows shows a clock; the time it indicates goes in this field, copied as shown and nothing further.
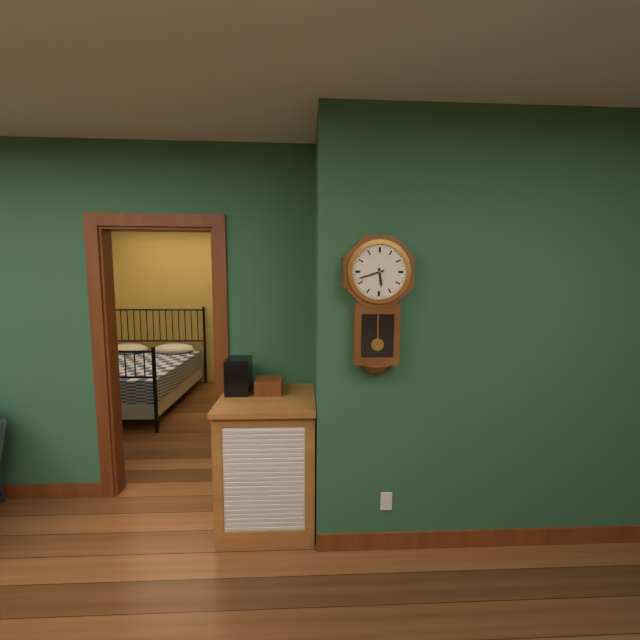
5:42
